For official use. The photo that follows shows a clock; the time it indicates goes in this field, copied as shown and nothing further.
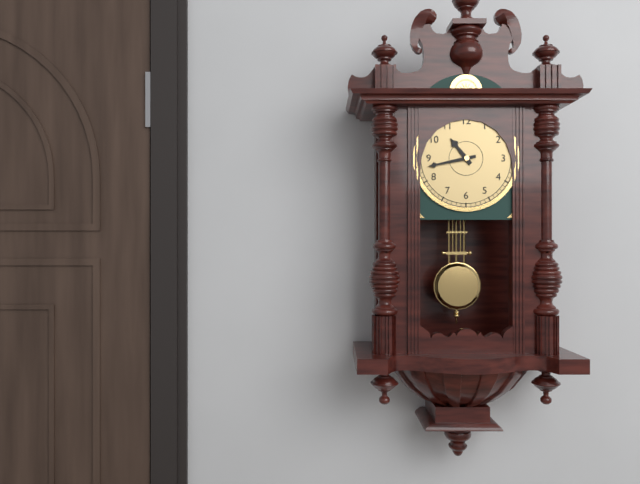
10:43
